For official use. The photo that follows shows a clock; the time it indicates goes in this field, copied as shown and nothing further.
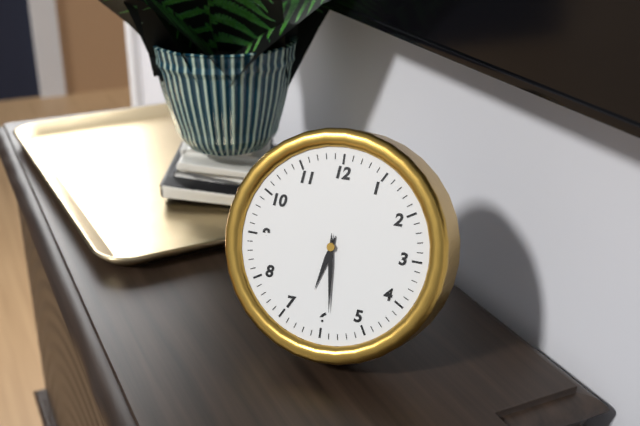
6:29
